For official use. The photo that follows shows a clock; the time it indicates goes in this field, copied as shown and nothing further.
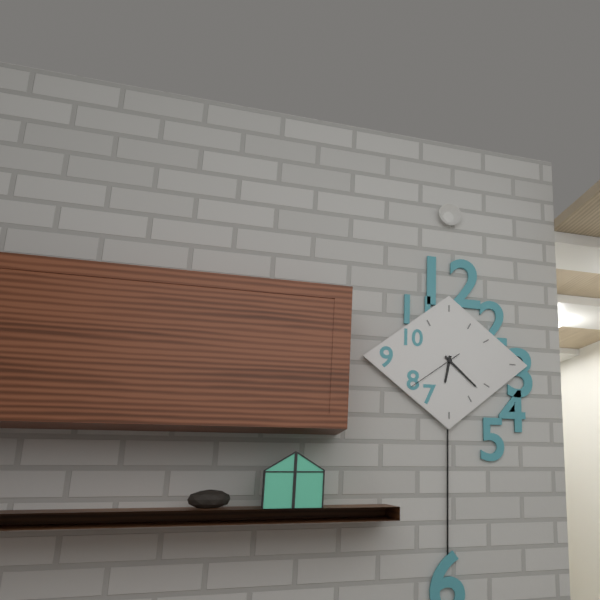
6:22:39
